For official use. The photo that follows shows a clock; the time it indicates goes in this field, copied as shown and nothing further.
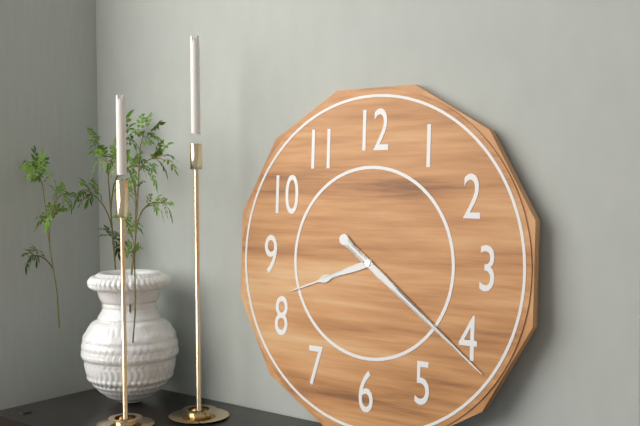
8:21
